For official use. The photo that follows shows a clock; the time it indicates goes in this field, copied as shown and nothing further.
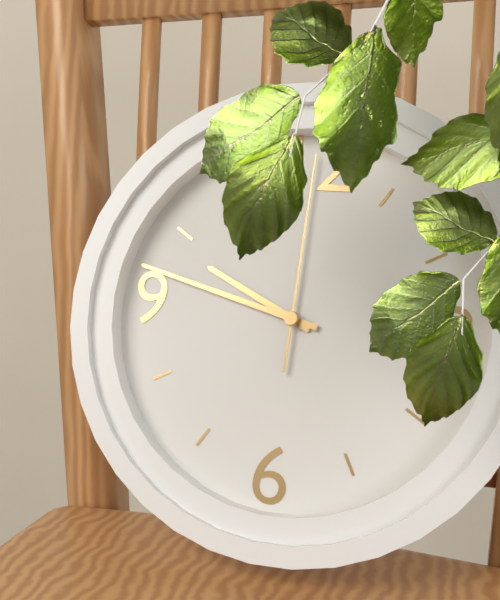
9:47:00
